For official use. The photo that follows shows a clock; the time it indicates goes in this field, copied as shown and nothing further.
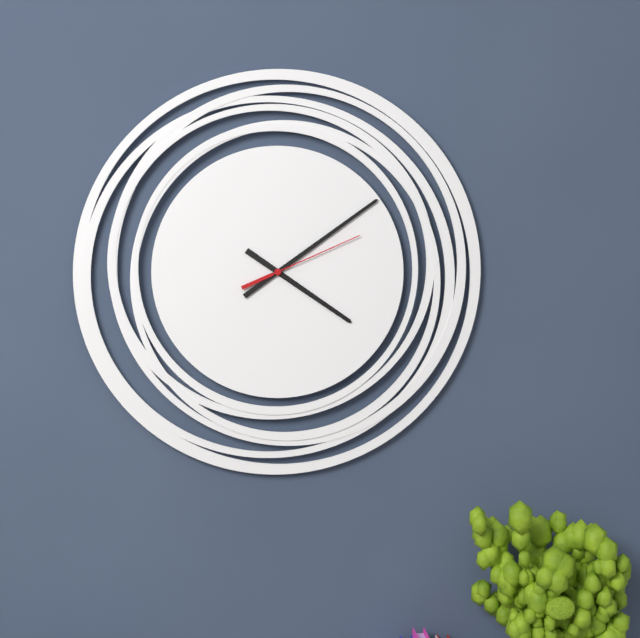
4:09:11
